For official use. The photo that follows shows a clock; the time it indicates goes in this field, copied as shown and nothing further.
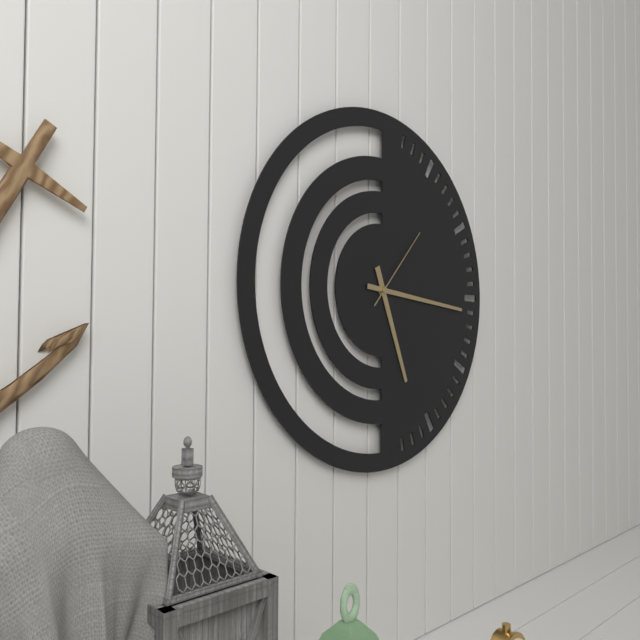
5:16:07
